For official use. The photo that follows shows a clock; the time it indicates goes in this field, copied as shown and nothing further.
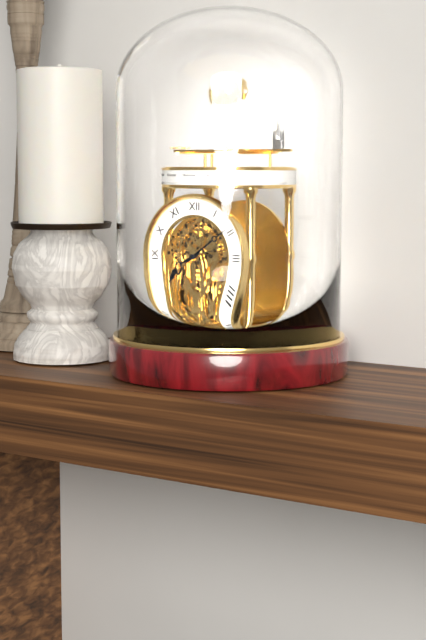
8:09
